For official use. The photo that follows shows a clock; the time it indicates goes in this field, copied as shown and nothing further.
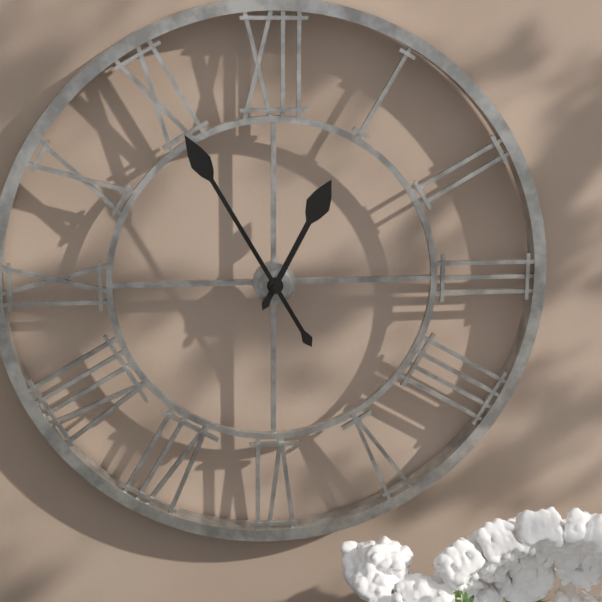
12:55
